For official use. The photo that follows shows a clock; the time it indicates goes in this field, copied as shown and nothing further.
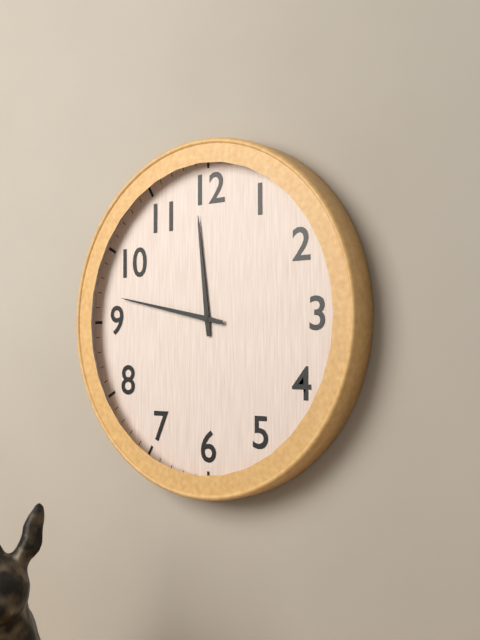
11:47
